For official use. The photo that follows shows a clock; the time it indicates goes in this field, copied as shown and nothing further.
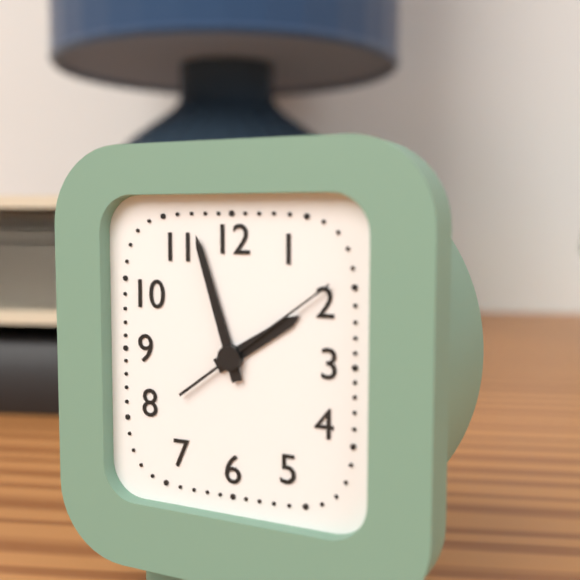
1:57:09
